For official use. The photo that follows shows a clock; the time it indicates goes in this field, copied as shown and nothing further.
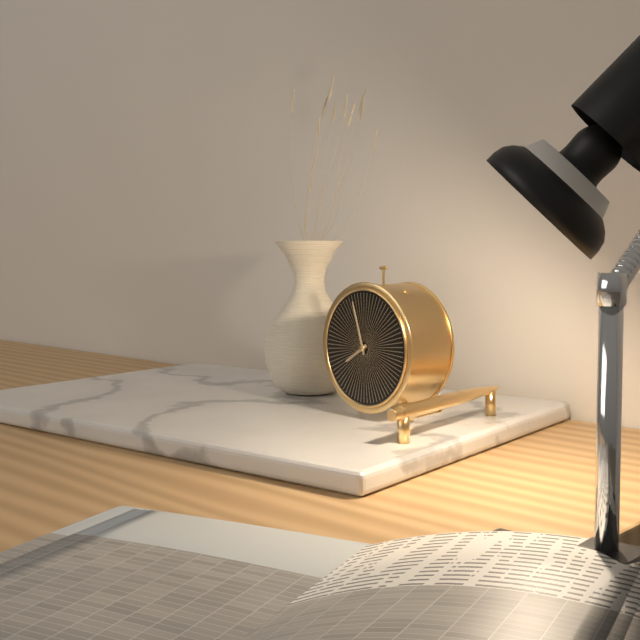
7:57
